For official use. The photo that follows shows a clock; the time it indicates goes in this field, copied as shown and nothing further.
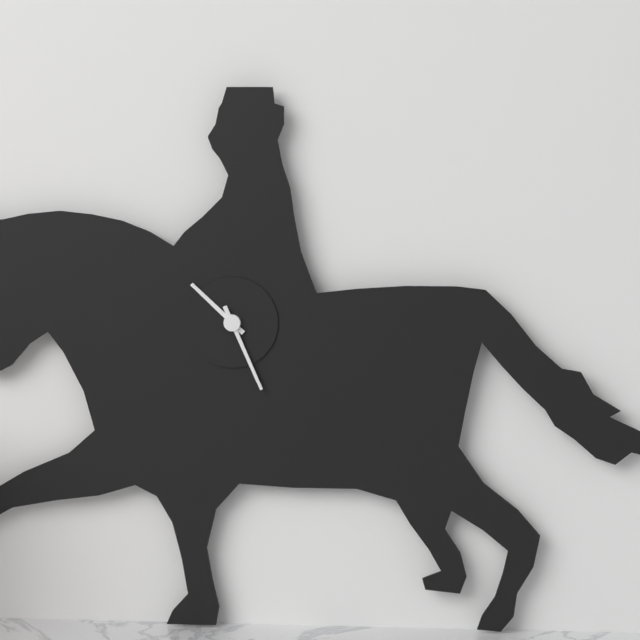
10:26
